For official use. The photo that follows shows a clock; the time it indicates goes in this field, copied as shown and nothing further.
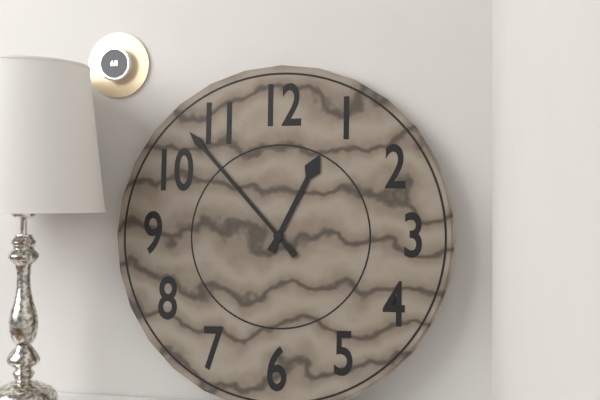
12:53
